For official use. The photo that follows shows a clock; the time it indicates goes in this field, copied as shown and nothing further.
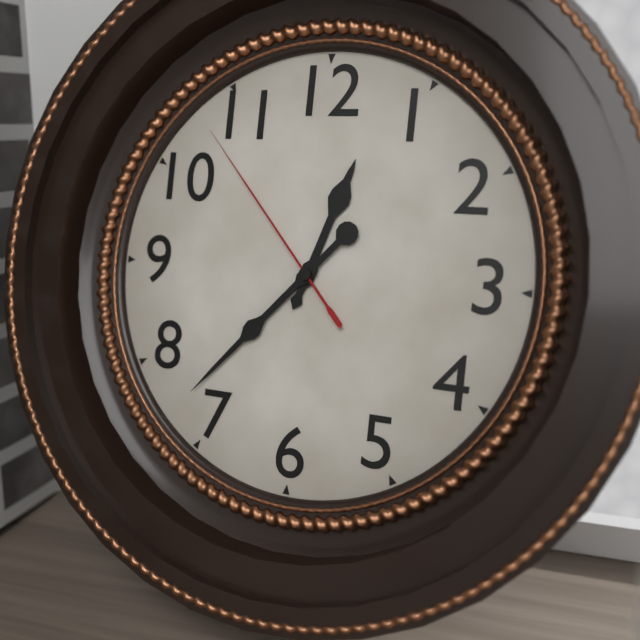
12:37:53
